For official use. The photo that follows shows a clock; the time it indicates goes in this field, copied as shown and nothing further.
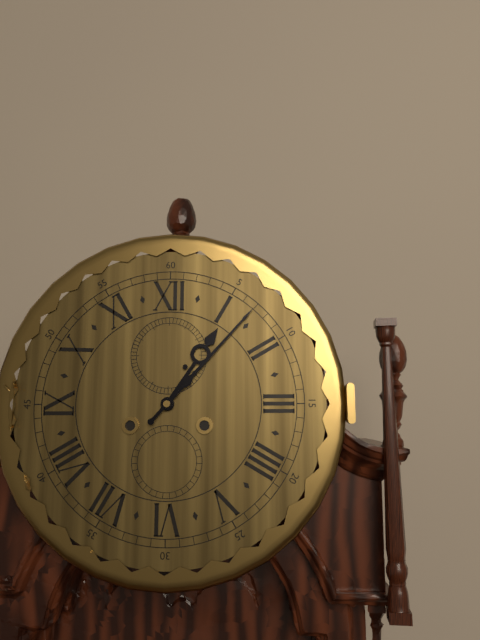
1:07
